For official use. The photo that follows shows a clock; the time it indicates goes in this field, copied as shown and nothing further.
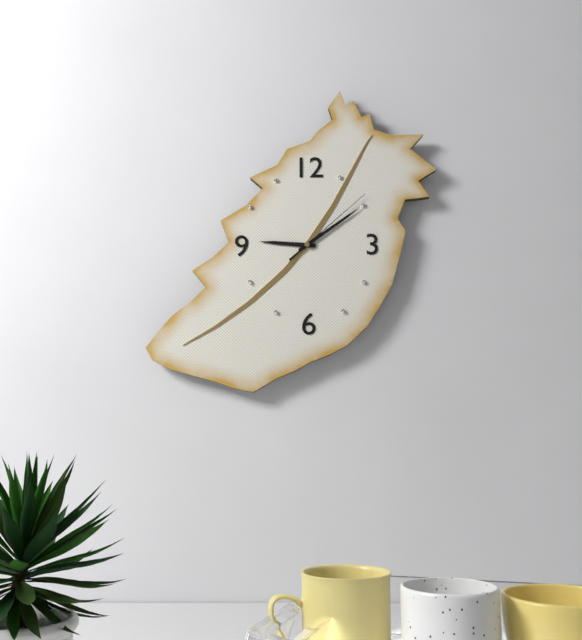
9:09:08
